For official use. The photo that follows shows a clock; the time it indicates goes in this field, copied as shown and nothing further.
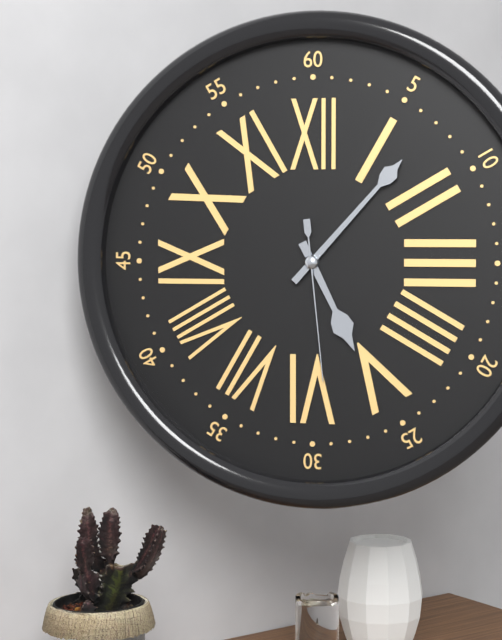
5:07:29
